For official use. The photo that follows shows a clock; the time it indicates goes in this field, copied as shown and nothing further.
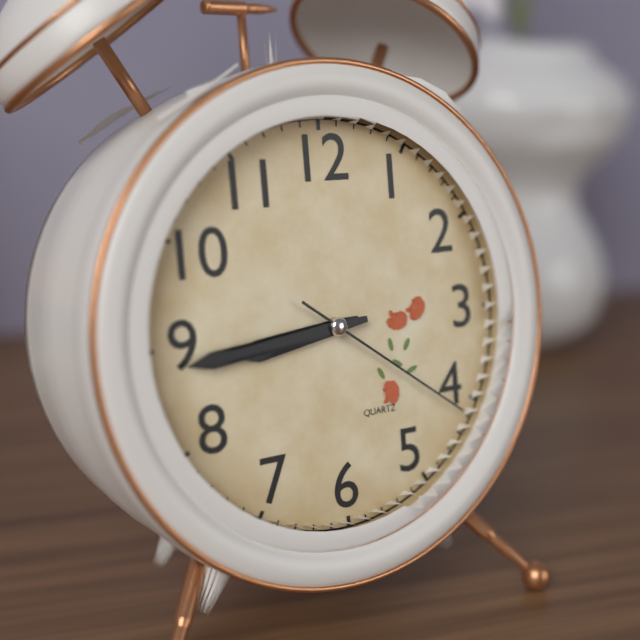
8:44:21
